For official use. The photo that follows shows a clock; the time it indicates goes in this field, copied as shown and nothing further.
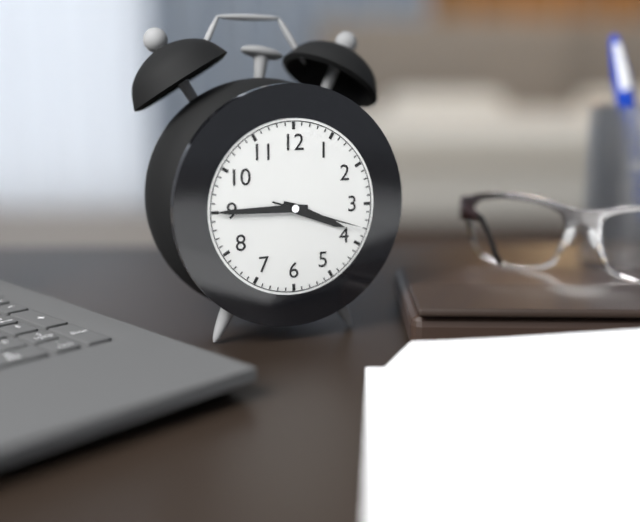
3:45:18
